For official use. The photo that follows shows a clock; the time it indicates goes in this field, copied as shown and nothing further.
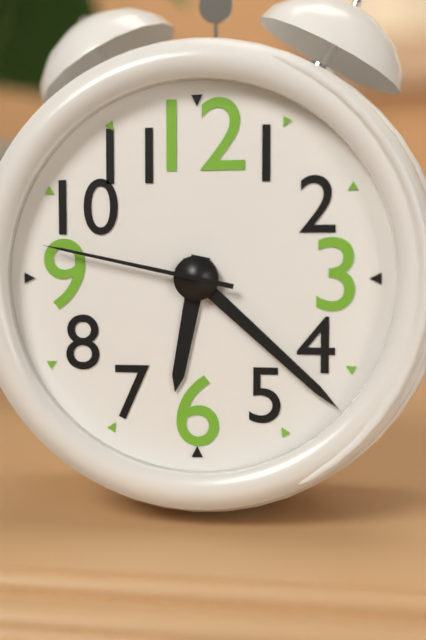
6:22:47
